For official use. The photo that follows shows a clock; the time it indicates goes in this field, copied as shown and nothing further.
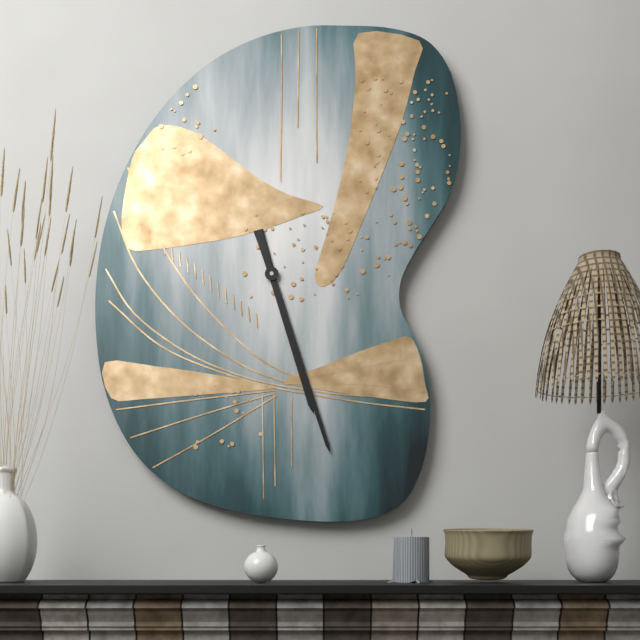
5:27
